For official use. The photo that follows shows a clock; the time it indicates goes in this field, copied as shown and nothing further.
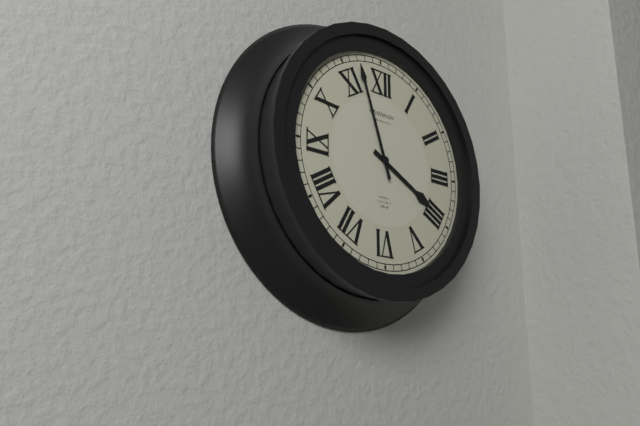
3:57
